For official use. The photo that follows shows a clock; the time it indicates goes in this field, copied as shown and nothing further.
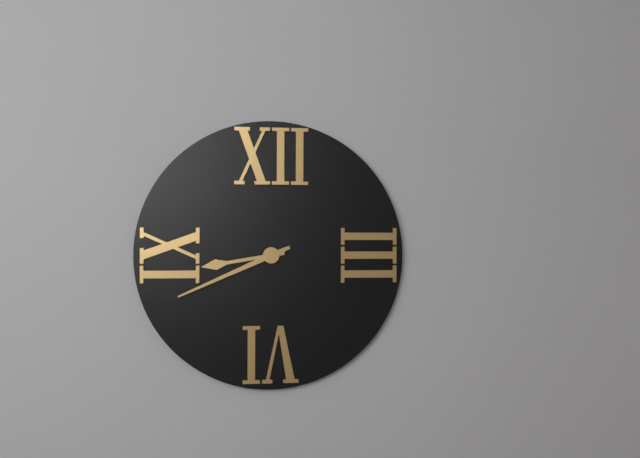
8:41
